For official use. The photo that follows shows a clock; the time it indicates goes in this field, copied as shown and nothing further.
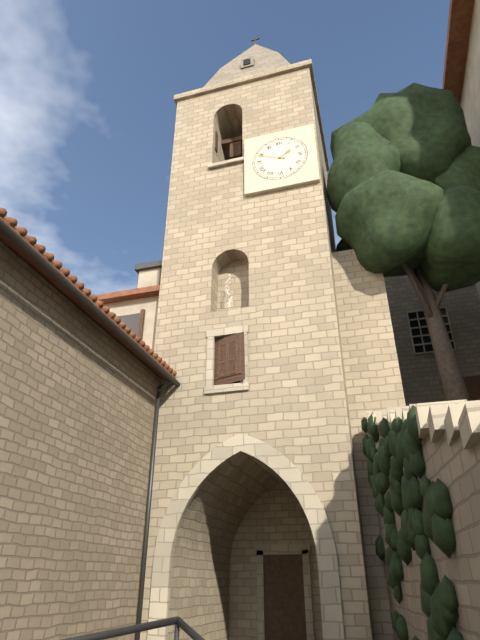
1:49
